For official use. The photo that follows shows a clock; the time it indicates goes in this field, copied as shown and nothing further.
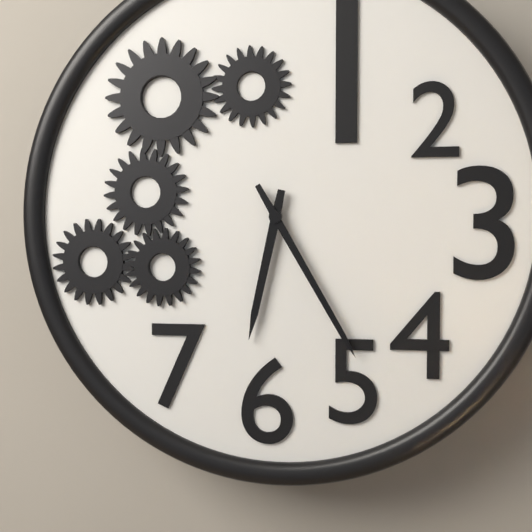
6:25
